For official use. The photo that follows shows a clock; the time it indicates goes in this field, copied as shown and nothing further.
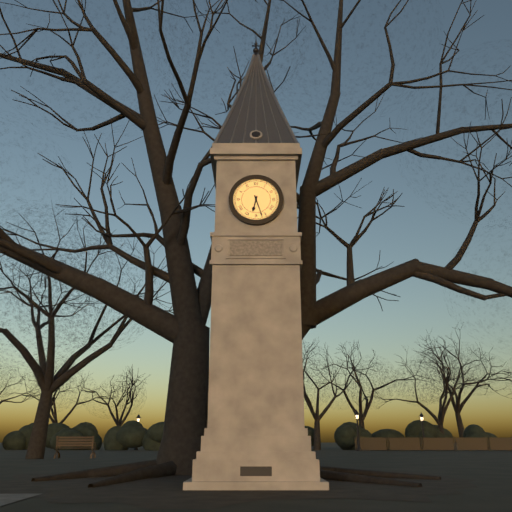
6:27
